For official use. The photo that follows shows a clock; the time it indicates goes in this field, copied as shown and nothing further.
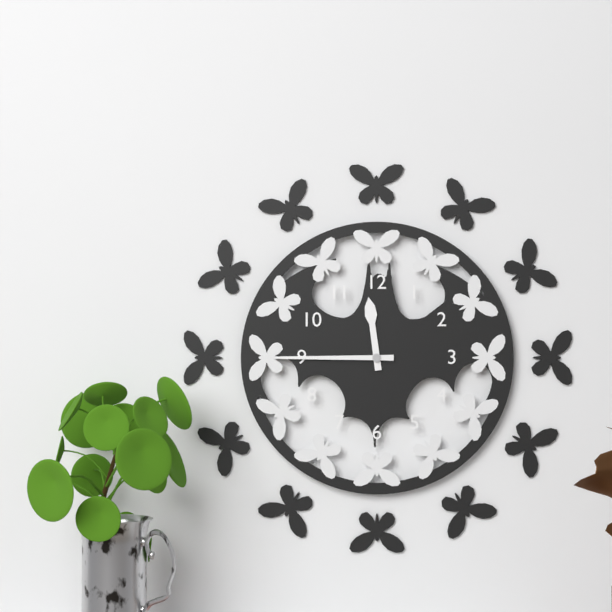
11:45
